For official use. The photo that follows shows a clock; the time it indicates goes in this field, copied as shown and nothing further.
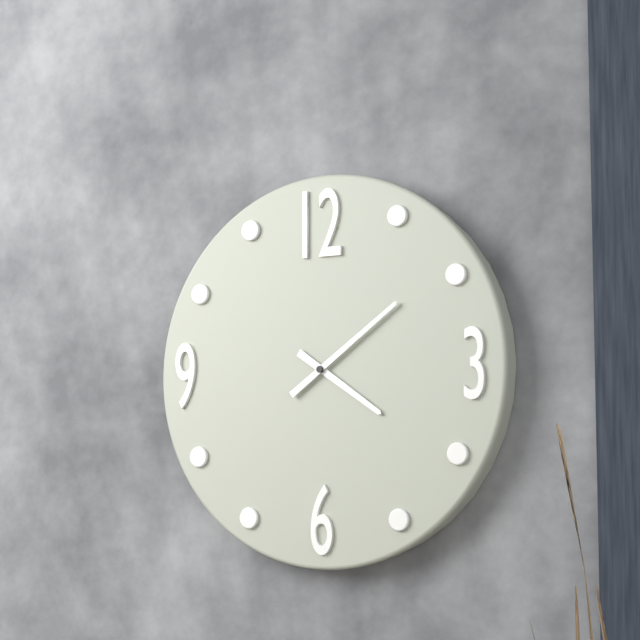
4:09
